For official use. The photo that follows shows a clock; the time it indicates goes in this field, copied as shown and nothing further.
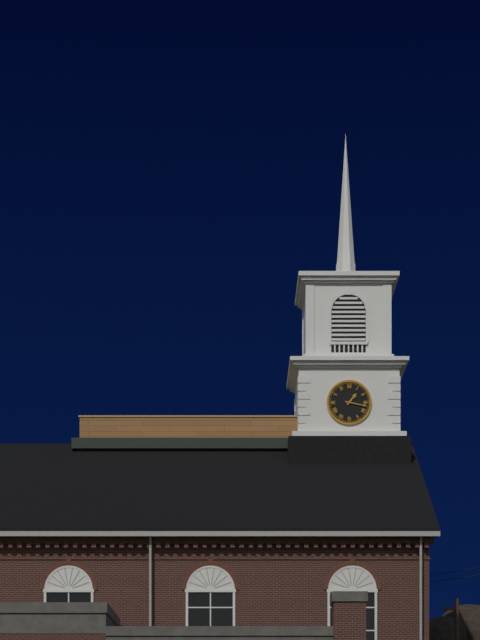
1:17
